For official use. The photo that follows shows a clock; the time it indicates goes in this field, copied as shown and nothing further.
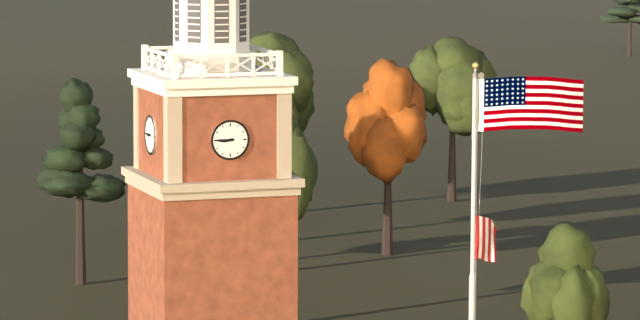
8:45
